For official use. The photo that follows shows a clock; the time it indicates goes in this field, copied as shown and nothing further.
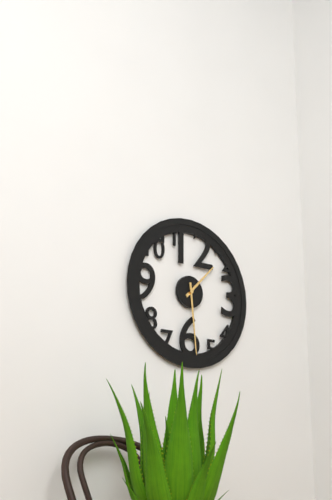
1:29
